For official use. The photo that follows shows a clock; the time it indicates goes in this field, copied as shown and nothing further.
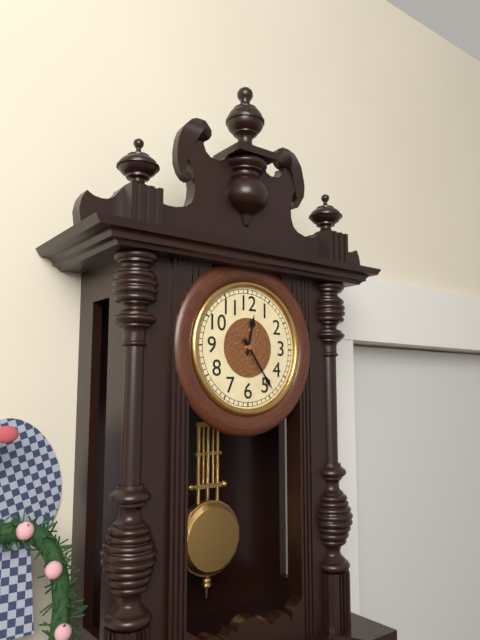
12:24
